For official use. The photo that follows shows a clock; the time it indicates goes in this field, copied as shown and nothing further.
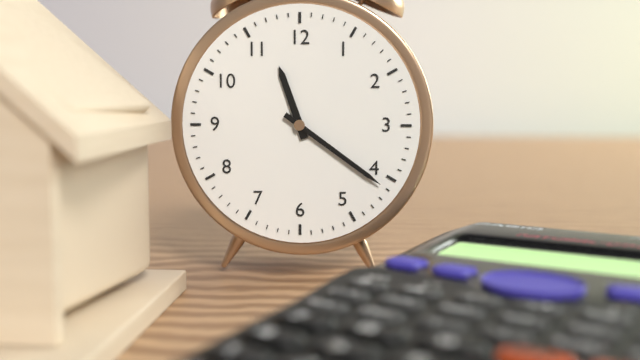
11:21
